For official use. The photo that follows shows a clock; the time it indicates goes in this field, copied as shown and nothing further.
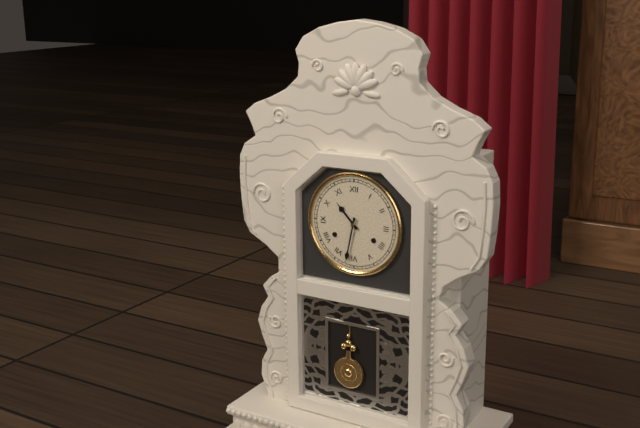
10:32
